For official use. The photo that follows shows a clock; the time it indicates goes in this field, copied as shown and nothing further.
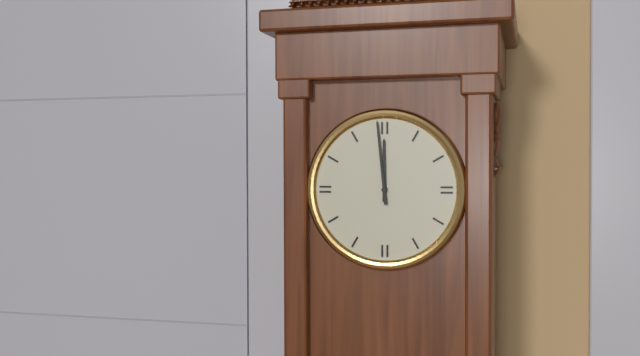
11:59
